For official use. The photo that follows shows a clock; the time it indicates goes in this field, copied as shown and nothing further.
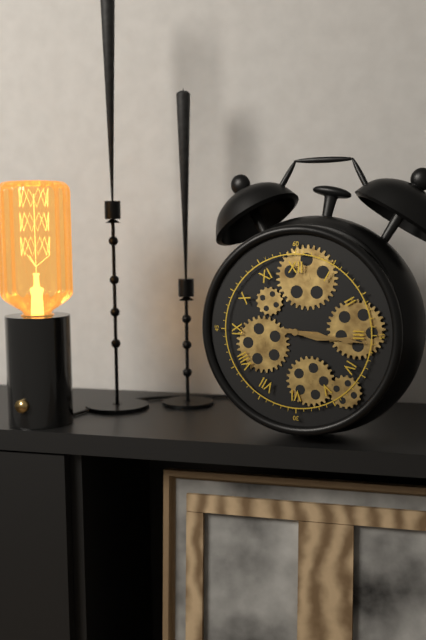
3:16
